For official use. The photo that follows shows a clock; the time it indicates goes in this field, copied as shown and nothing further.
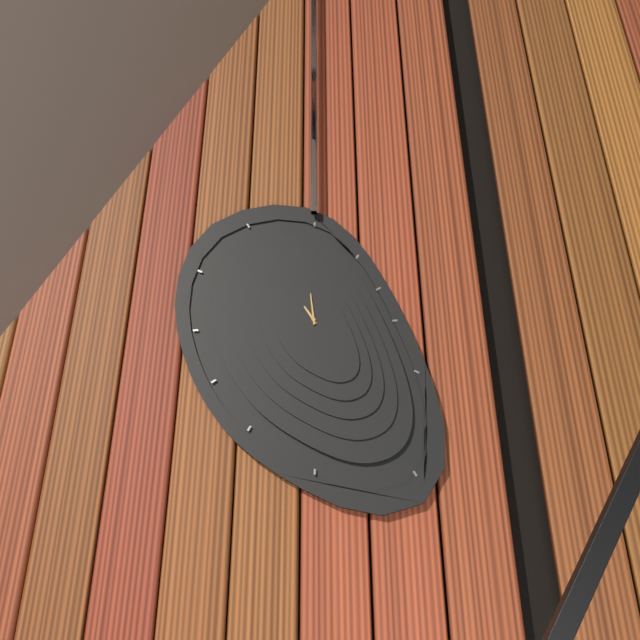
10:59
